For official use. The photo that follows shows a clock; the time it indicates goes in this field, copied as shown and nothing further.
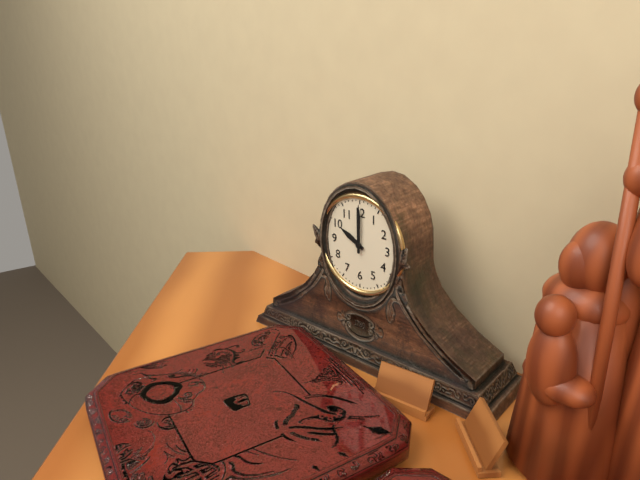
10:00
